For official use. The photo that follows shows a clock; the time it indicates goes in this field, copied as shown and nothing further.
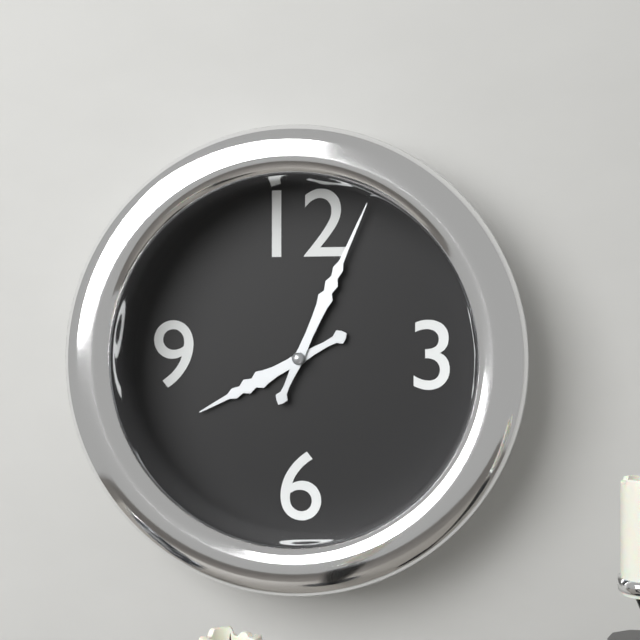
8:04
